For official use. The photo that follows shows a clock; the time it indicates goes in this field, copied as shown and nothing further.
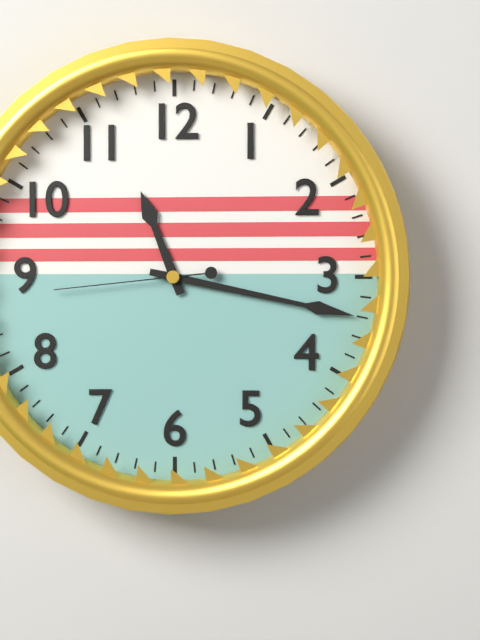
11:17:44
